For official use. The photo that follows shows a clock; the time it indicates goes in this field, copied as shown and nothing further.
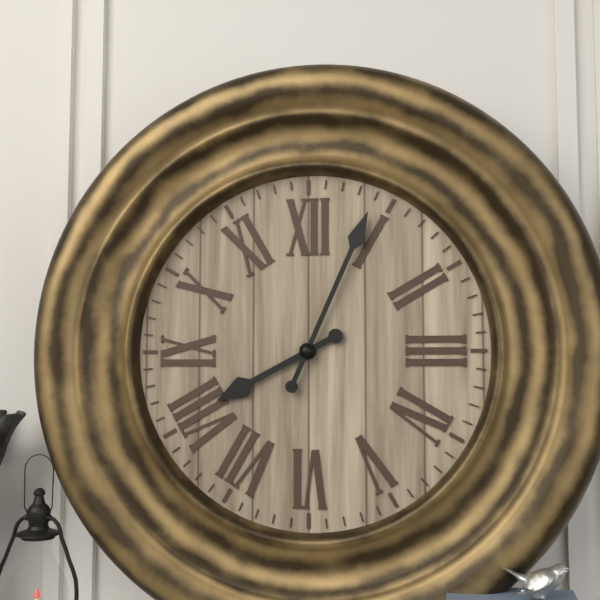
8:04
